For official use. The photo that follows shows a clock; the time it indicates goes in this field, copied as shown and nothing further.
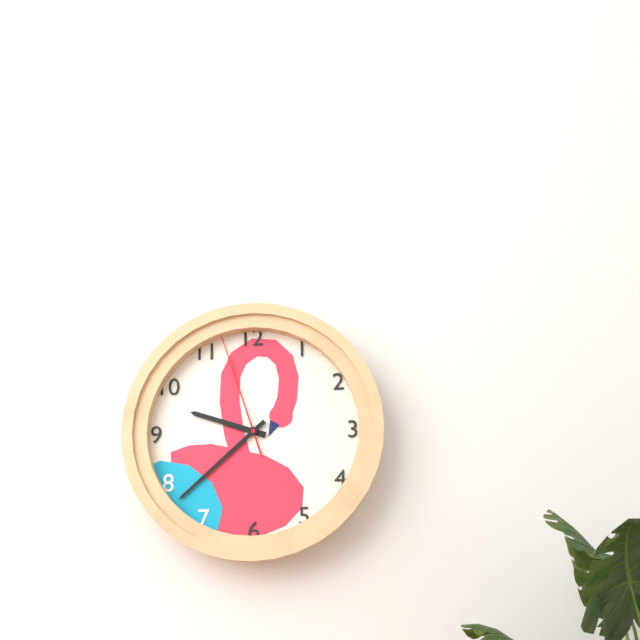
9:38:57
